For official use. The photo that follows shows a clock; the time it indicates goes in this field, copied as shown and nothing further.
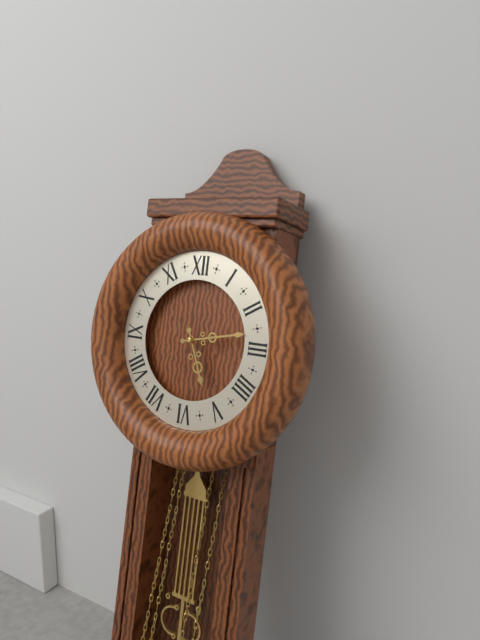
5:13
